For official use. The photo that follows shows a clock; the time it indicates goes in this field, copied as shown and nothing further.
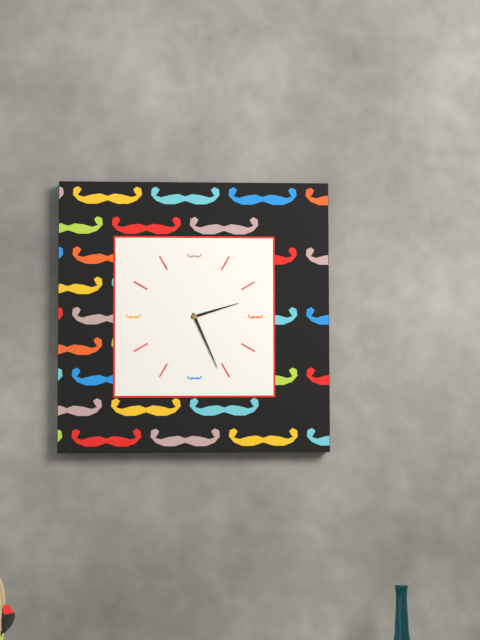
2:26
